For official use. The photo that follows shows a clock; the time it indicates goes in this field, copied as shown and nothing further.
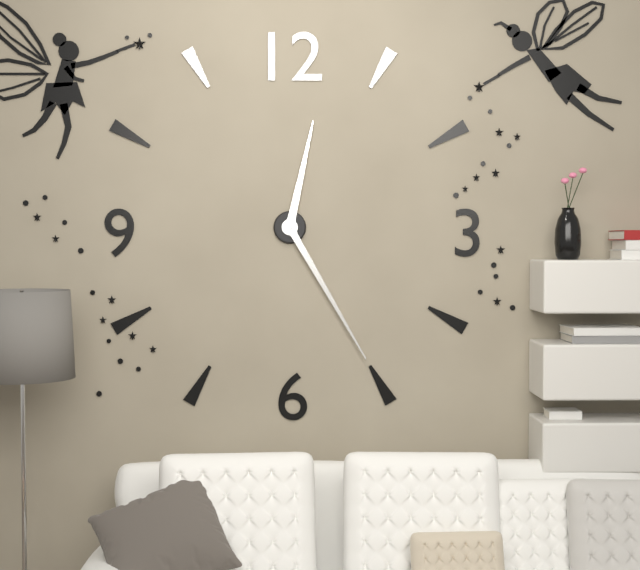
12:25
